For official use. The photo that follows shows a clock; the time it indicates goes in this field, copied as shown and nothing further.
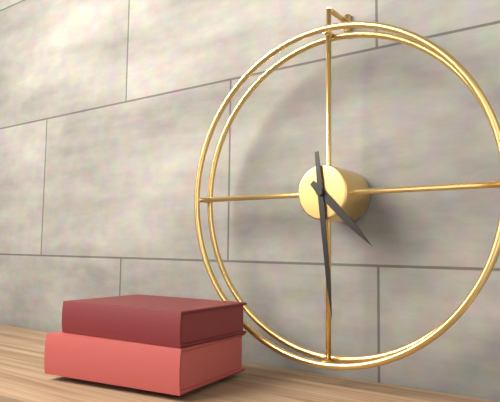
4:29
